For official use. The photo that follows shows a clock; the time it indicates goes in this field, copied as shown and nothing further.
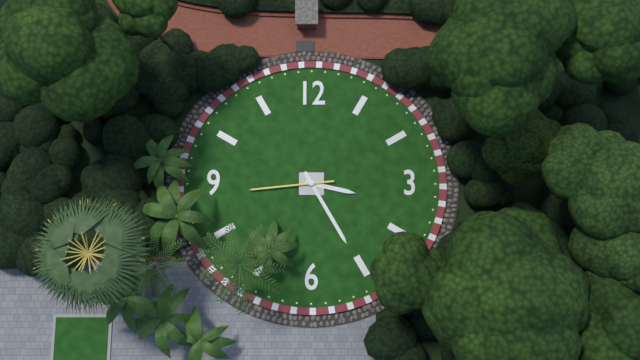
3:25:44
